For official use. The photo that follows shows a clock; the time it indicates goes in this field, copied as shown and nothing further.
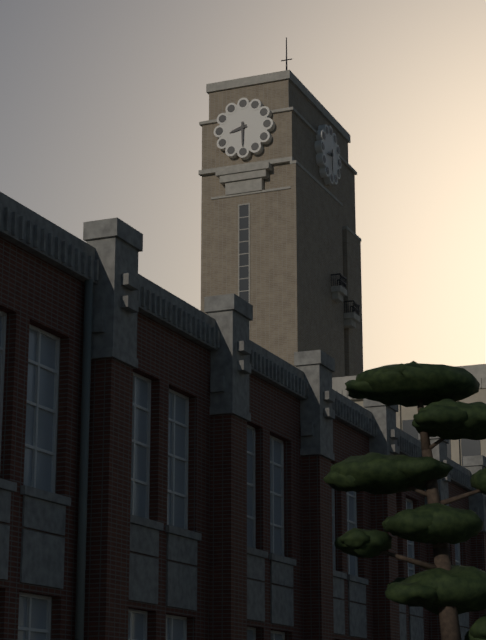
8:30
